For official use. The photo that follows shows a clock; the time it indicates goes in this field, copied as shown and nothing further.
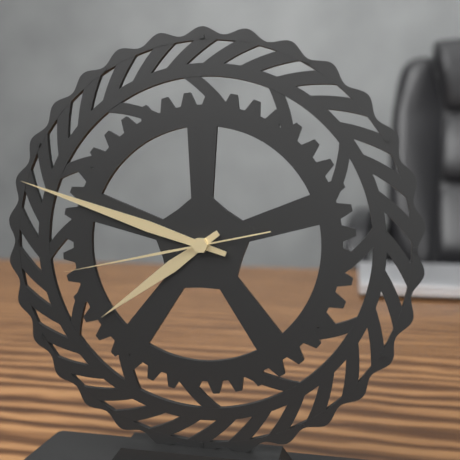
7:48:43
